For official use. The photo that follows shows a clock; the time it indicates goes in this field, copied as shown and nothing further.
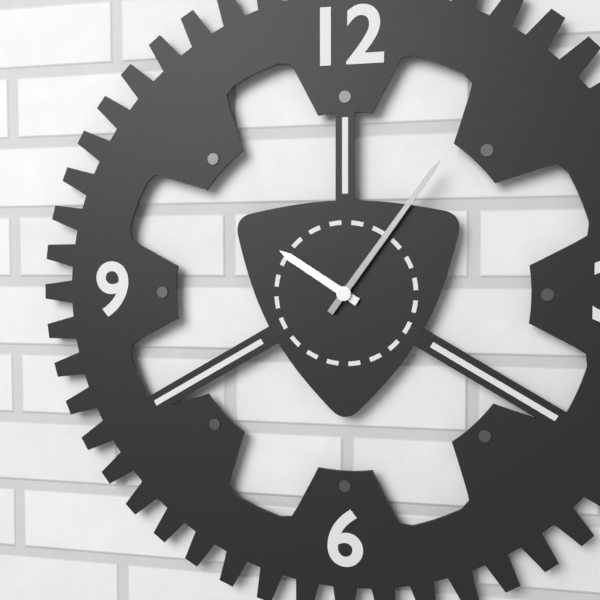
10:06
